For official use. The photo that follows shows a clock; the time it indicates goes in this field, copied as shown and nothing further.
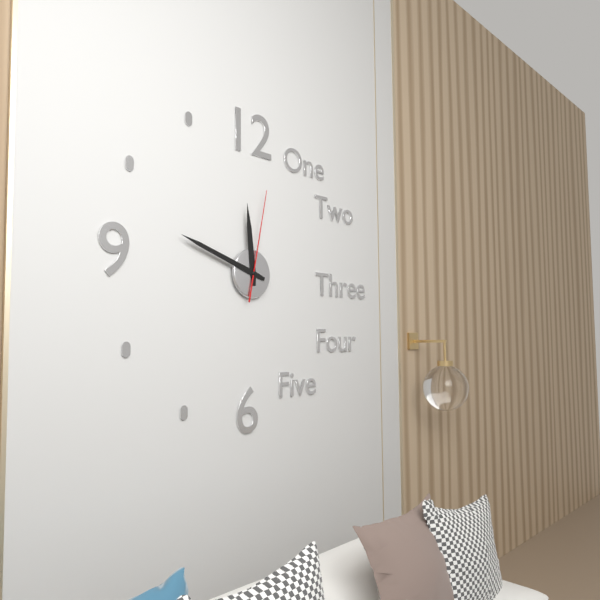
11:48:02
